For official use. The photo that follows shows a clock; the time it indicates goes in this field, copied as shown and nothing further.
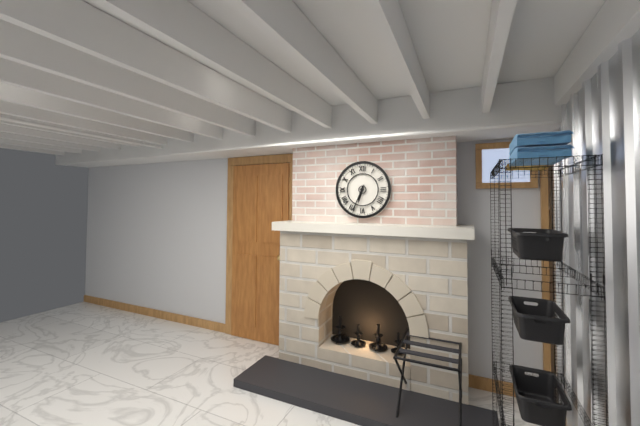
6:34
